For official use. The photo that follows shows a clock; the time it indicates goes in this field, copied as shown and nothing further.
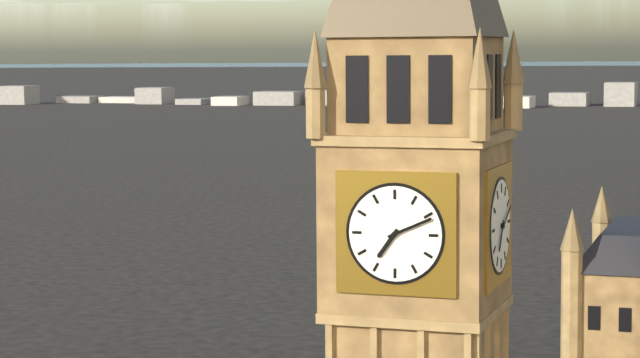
7:11
